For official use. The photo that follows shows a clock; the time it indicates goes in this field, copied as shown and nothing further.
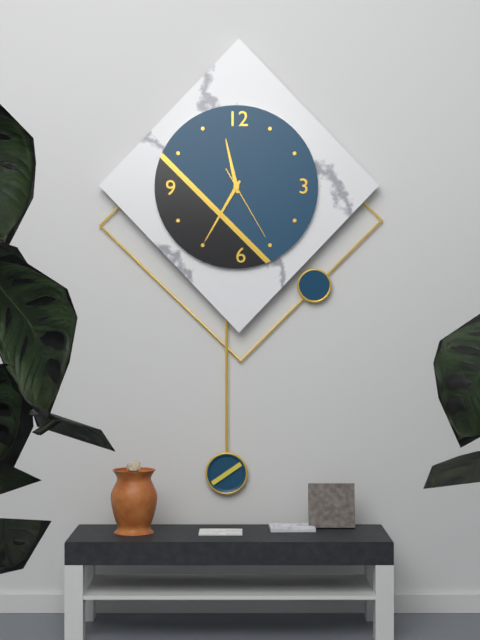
11:35:25
